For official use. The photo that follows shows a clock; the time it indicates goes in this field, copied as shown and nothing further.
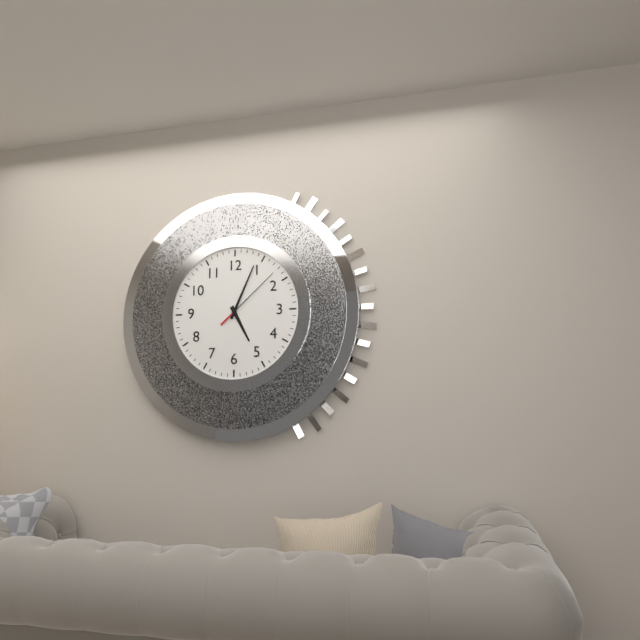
5:04:08
